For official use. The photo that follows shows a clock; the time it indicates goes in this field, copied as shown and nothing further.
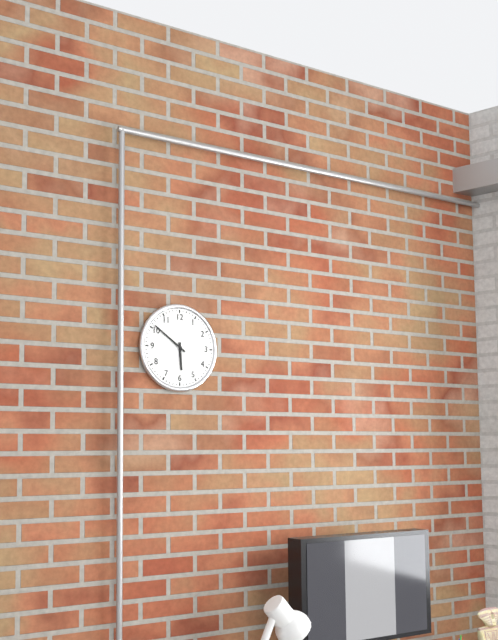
5:51
